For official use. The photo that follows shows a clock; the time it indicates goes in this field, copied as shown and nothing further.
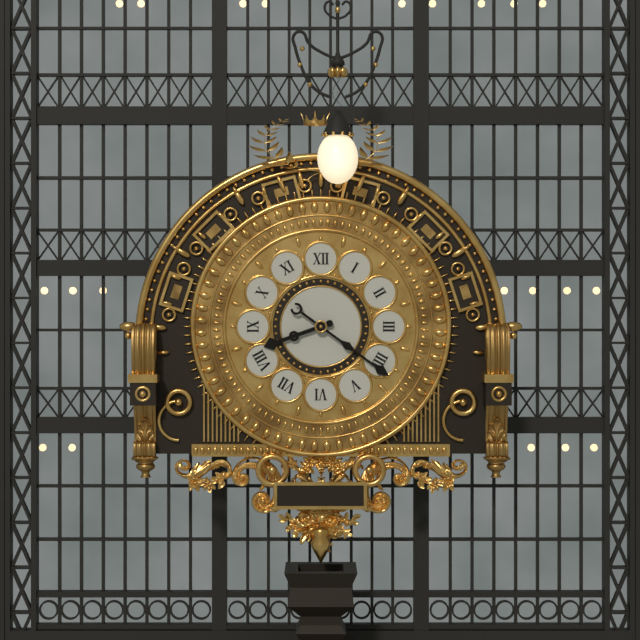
8:21
